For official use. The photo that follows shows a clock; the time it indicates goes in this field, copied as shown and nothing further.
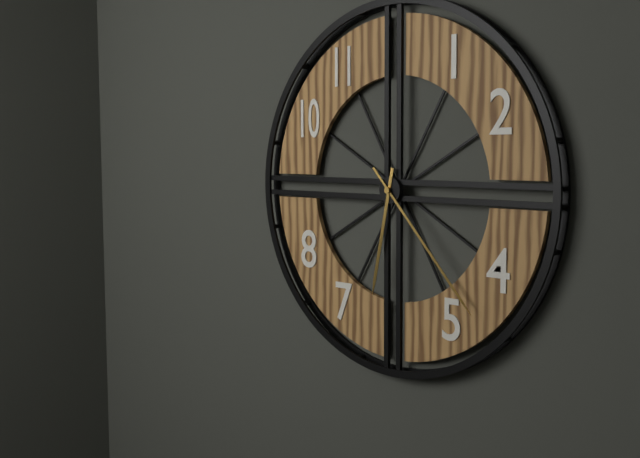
6:23
